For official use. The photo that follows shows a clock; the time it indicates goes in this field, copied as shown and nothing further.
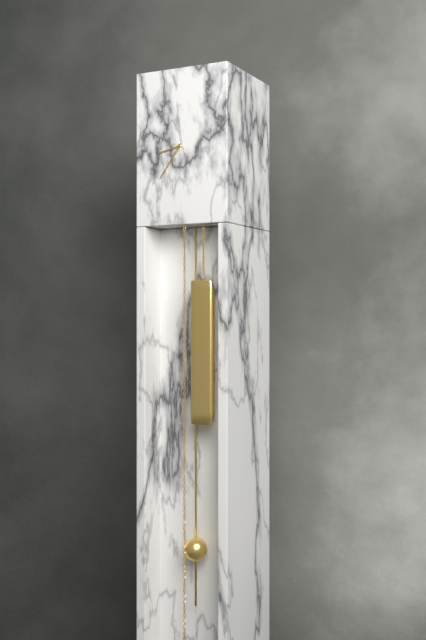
8:36
